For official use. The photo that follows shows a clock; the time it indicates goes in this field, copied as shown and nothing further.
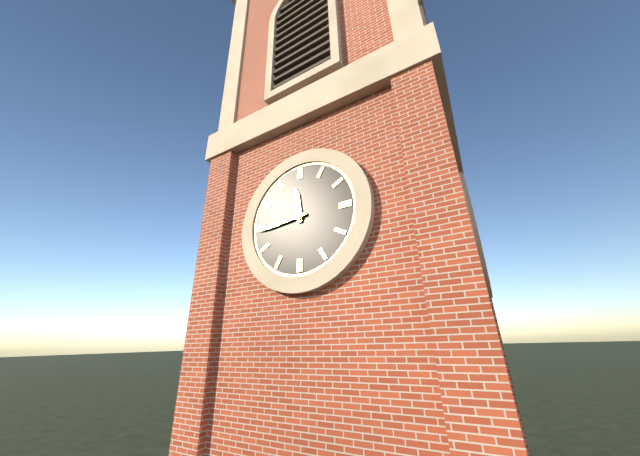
11:44
